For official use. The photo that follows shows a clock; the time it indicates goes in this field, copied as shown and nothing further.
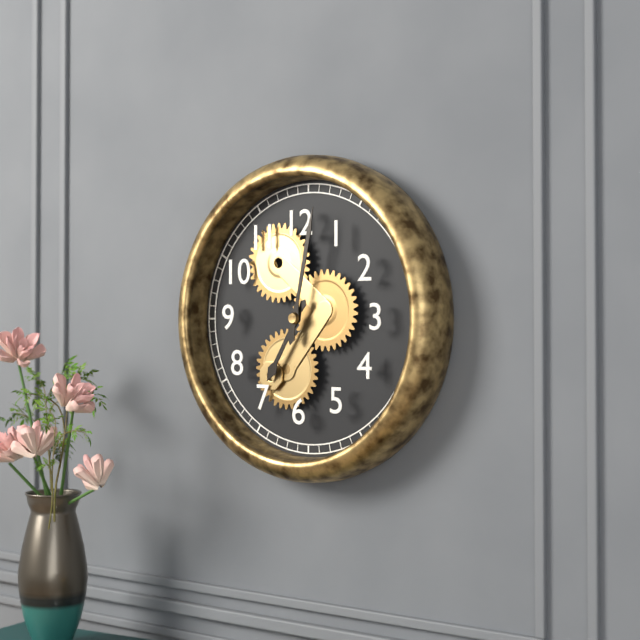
7:02
